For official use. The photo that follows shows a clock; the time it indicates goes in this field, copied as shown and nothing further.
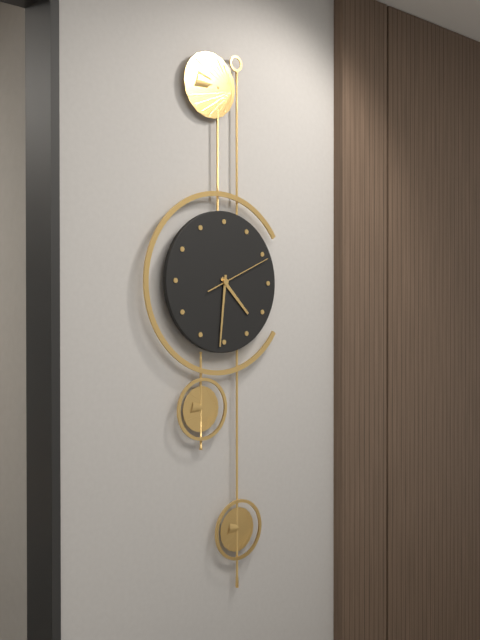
4:31:11
